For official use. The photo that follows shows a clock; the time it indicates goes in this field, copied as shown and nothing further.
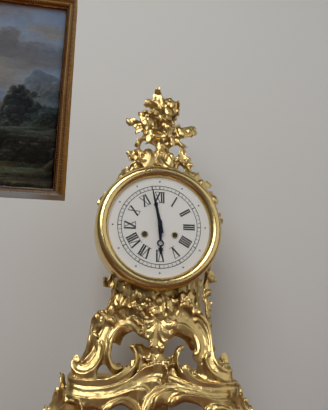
5:58
